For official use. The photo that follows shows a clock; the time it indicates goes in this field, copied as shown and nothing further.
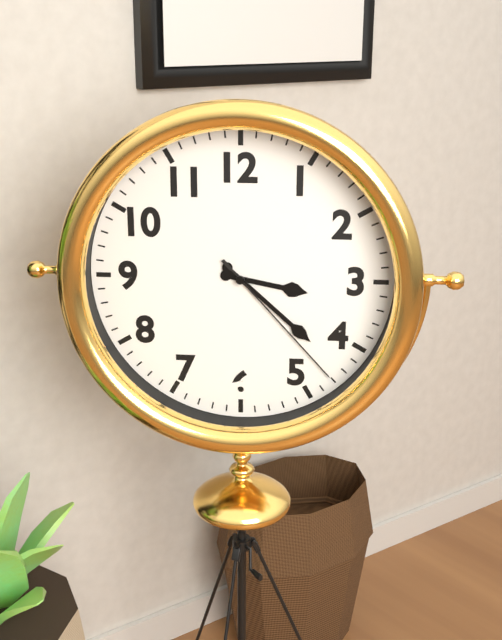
3:22:23
